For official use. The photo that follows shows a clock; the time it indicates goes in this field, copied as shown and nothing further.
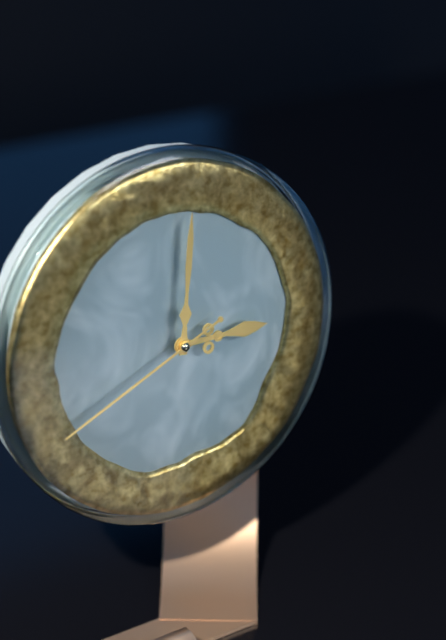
3:01:41
